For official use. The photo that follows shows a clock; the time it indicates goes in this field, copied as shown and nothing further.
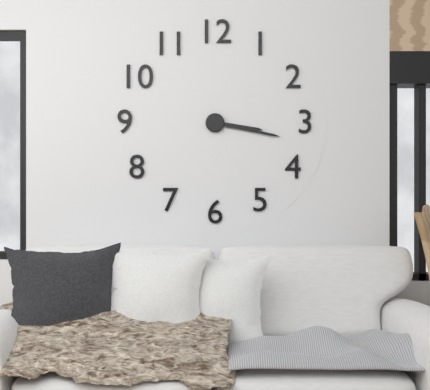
3:17
